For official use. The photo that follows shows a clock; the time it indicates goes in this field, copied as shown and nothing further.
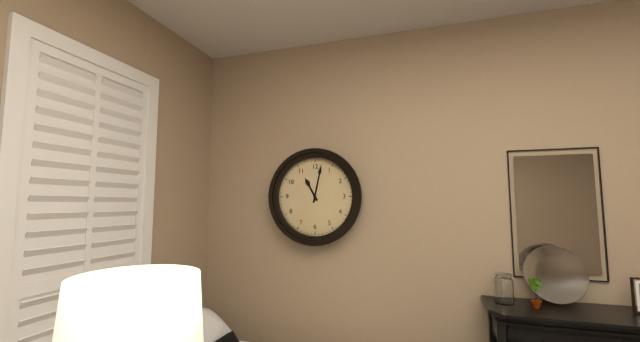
11:02
